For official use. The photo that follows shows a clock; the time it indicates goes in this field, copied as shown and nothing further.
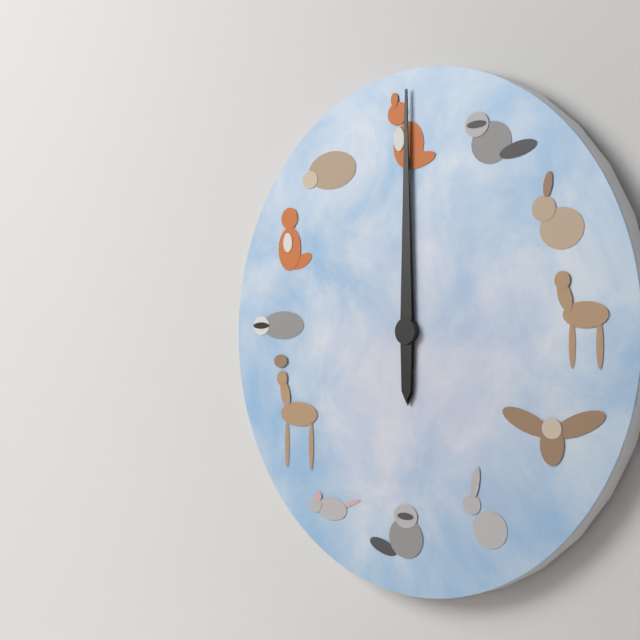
12:00
